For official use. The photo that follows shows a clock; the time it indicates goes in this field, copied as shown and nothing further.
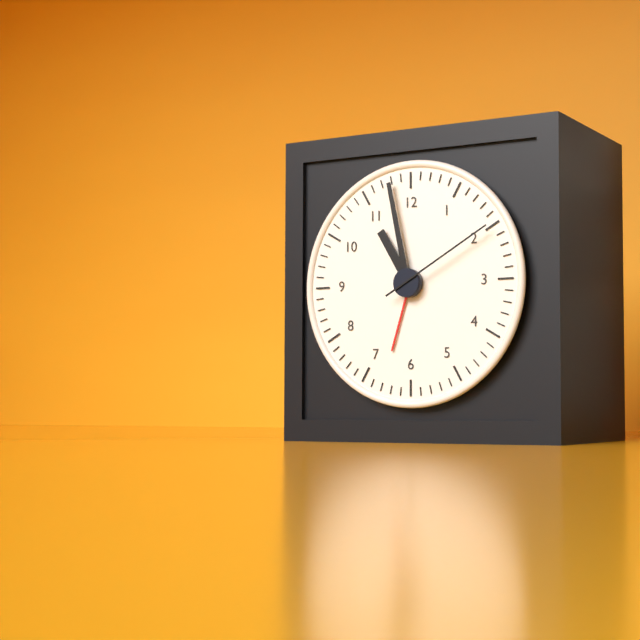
10:58:10
